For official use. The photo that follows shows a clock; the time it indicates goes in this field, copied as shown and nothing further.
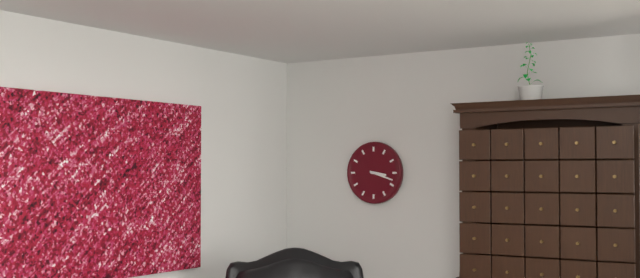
3:18
